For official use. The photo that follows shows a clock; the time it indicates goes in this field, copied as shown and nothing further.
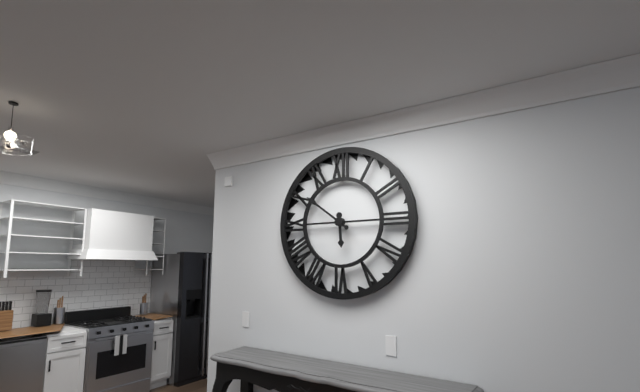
5:51
